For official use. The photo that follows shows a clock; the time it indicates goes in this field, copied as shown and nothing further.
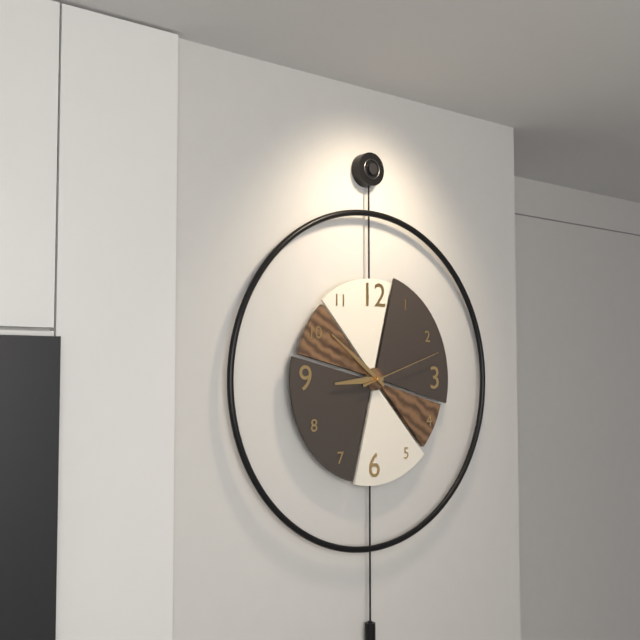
8:51:12
